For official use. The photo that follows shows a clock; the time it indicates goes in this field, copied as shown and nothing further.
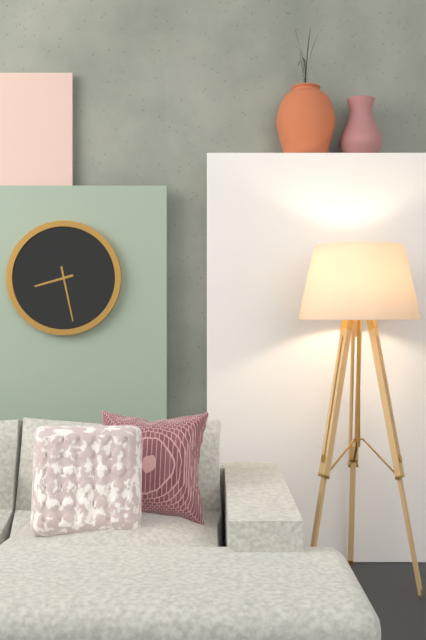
8:28
